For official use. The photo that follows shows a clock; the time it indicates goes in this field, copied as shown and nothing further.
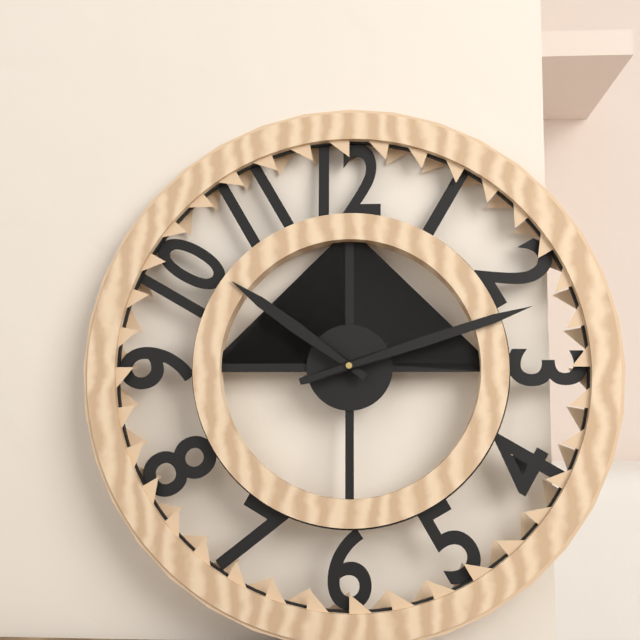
10:12
